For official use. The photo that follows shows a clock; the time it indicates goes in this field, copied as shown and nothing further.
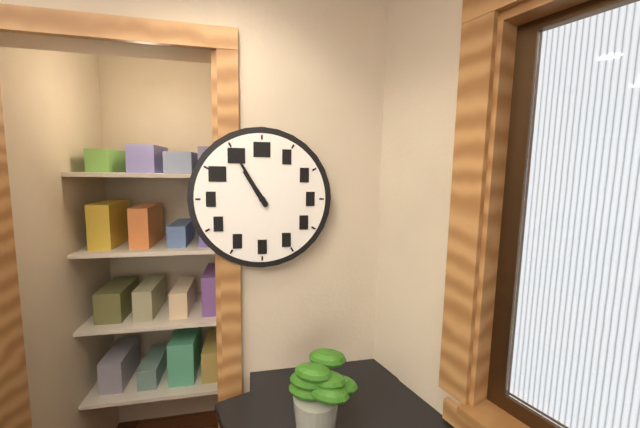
10:55
